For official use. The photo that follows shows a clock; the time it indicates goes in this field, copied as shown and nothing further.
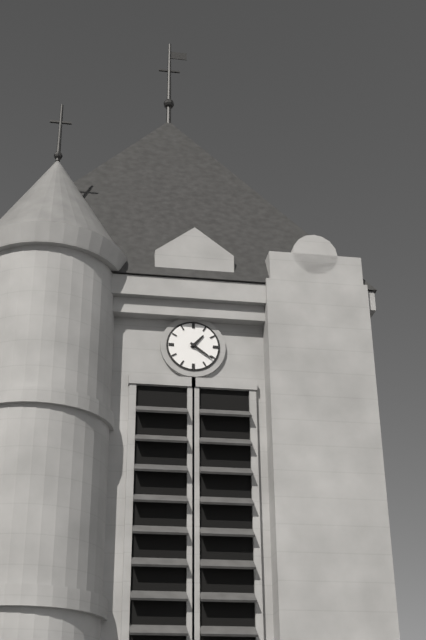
1:21
